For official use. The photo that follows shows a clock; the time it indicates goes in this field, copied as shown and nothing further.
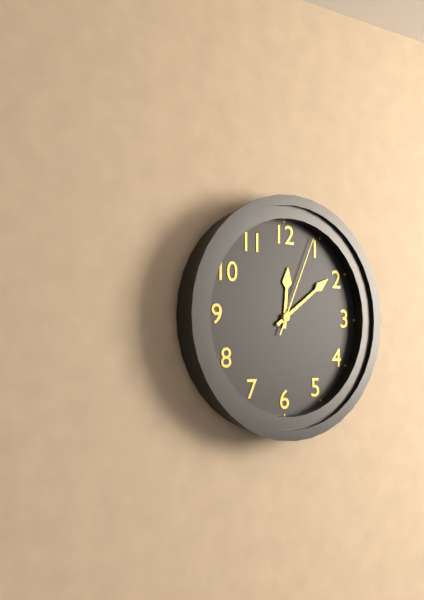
12:09:04
